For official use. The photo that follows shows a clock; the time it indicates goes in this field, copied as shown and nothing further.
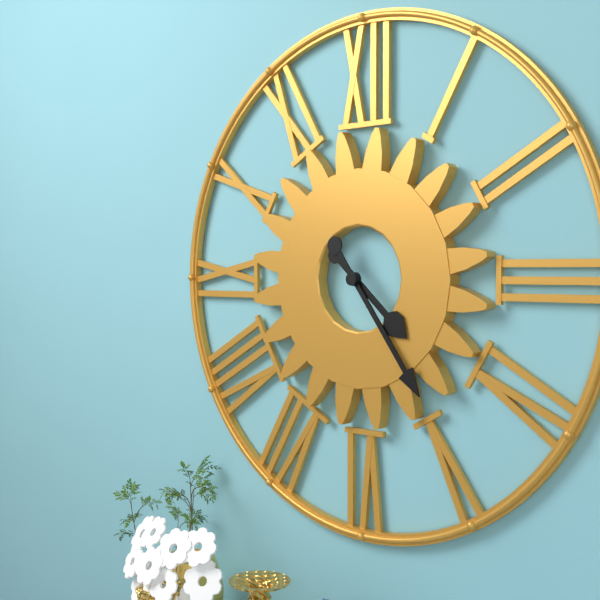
4:24
